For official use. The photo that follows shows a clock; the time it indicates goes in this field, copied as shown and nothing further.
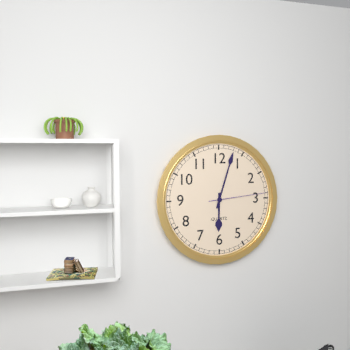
6:03:14
